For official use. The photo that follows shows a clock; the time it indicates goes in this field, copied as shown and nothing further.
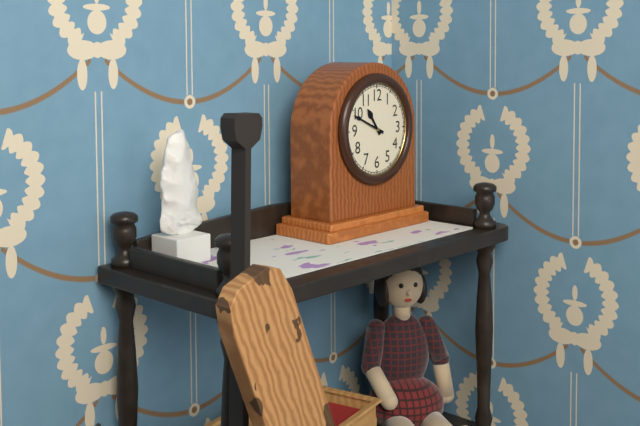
10:49
